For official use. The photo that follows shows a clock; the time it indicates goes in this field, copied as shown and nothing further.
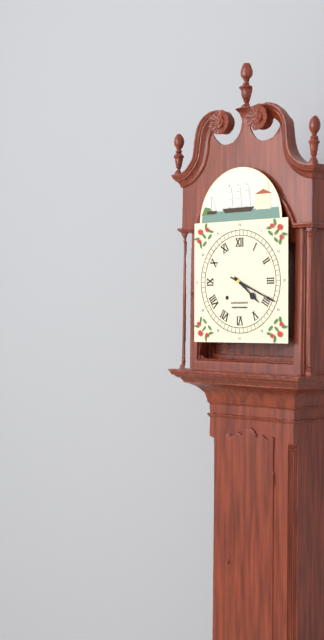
4:19
